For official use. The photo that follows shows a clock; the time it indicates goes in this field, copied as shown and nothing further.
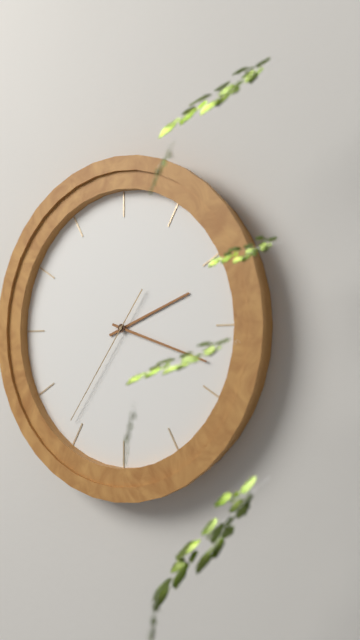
2:18:36
